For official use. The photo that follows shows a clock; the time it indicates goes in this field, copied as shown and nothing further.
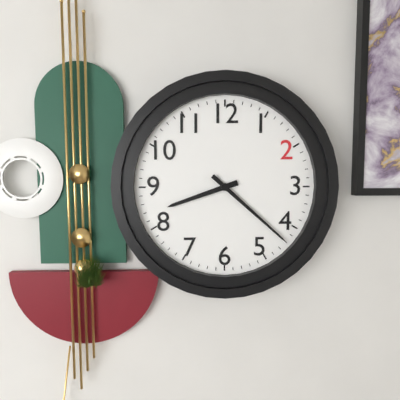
8:22
